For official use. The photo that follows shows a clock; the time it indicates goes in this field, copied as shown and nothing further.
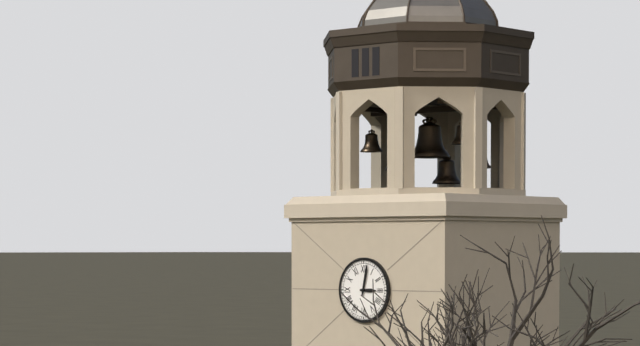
3:02
